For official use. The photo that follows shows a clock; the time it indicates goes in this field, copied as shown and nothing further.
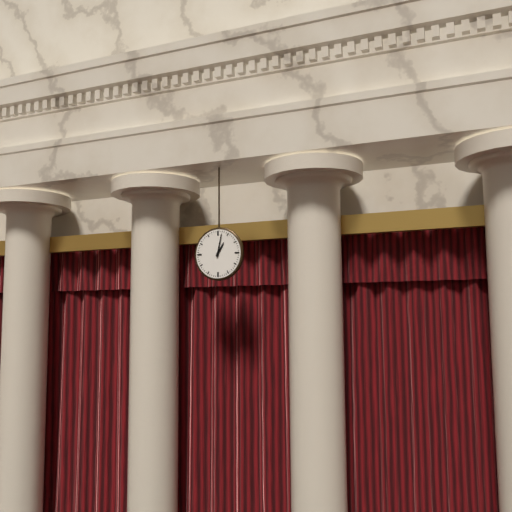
1:02
